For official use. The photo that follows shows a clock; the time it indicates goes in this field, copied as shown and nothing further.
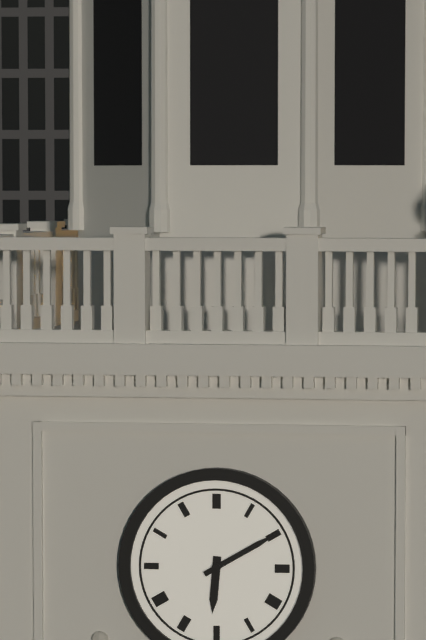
6:10
